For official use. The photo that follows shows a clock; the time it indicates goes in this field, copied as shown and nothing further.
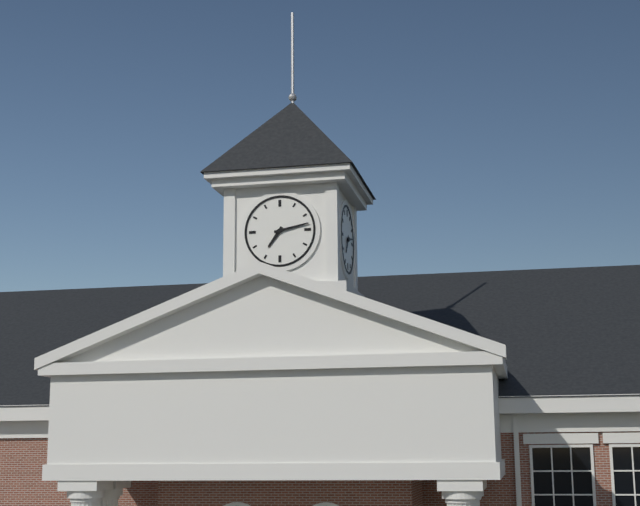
7:13
